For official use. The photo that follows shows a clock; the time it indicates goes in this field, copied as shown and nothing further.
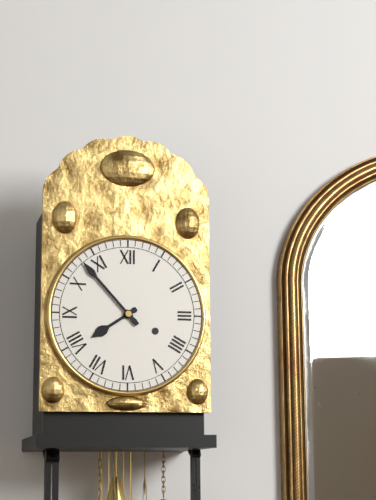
7:53
